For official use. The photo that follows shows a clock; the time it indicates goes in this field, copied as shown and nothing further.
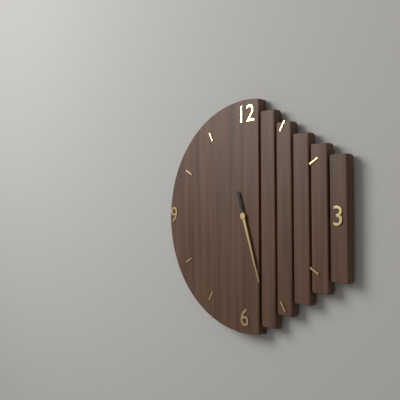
5:27
